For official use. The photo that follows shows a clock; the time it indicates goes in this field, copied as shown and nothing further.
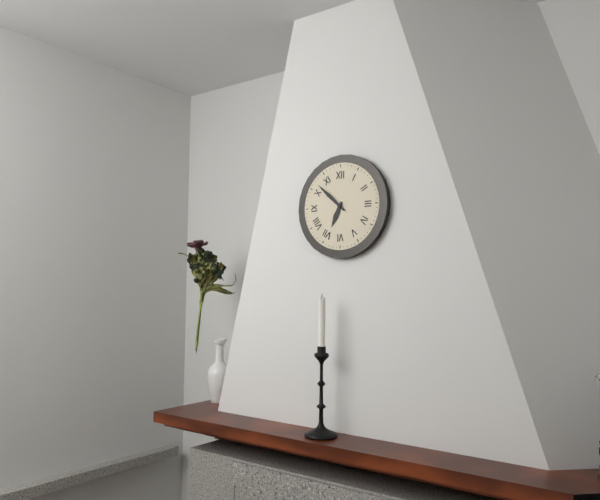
6:52
